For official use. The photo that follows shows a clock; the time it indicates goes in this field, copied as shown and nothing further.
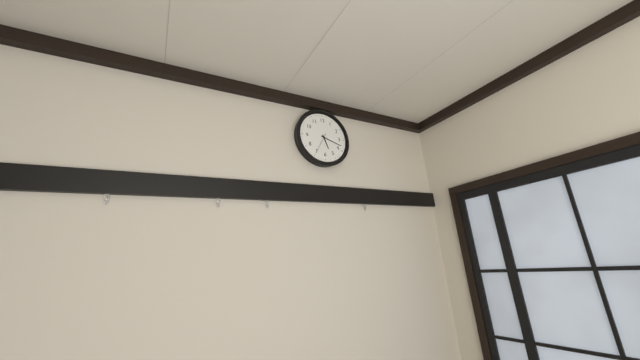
5:18
